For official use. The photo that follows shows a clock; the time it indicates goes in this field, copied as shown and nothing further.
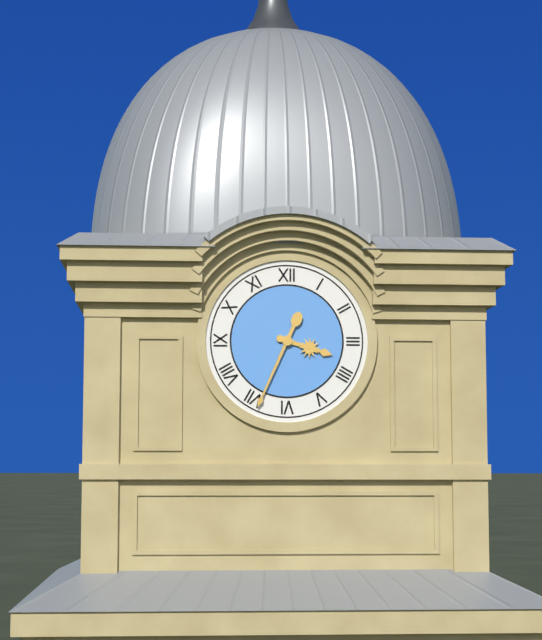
3:34
